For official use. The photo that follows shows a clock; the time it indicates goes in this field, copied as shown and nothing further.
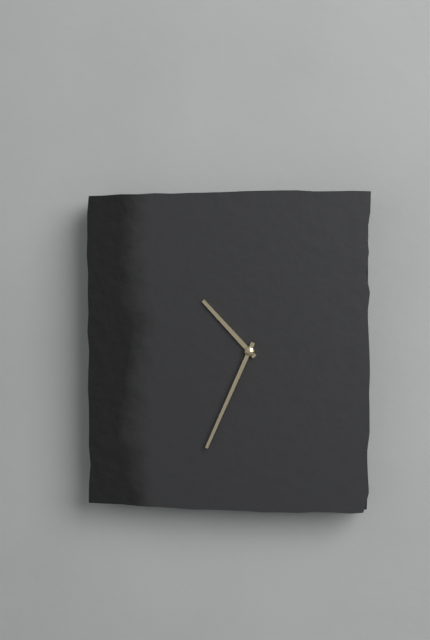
10:34
